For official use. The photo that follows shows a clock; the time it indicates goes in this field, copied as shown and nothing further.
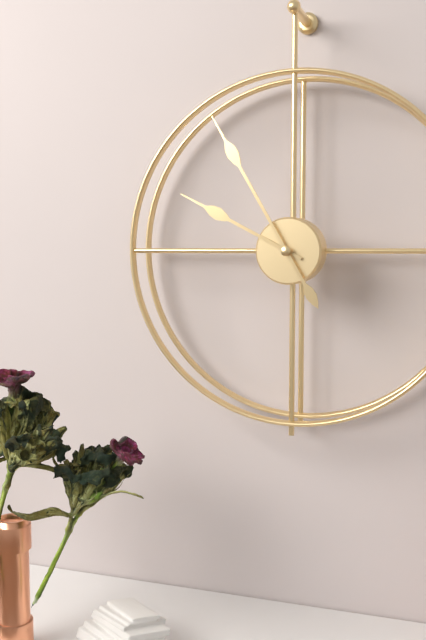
9:55
